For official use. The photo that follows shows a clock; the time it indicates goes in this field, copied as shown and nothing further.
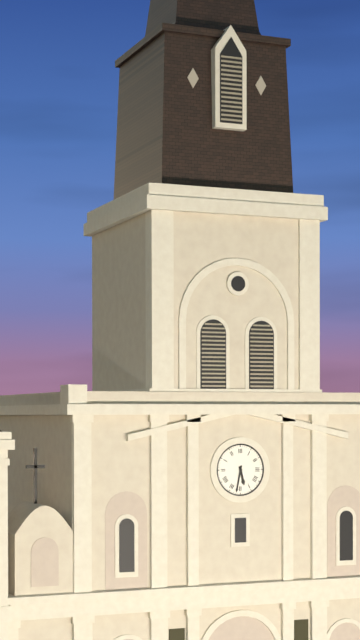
5:32
